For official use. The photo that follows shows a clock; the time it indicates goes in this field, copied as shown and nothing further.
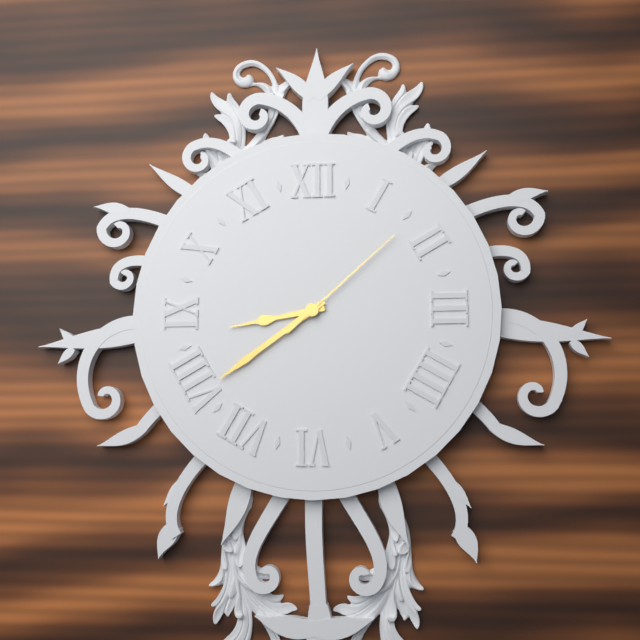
8:39:08
